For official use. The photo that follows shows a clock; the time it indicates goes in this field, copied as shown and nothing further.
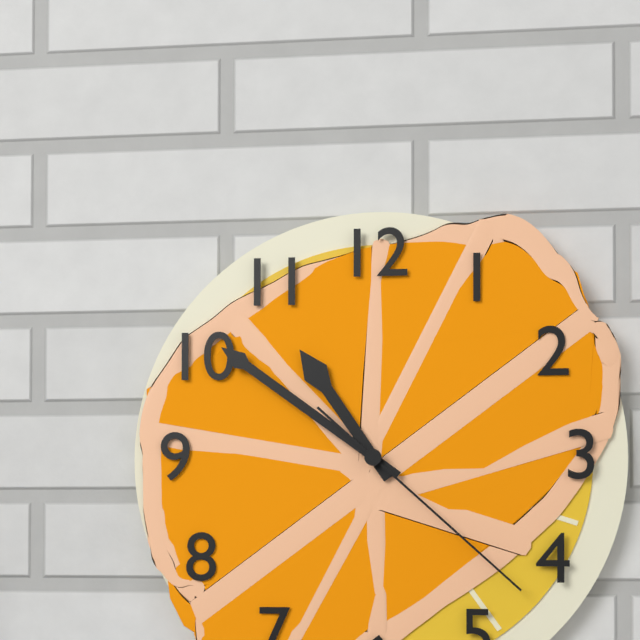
10:51:22
